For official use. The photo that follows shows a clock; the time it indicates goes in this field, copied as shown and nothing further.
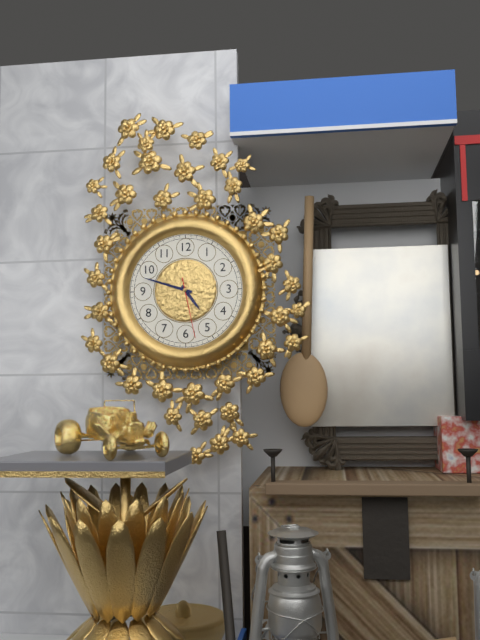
4:48:28
